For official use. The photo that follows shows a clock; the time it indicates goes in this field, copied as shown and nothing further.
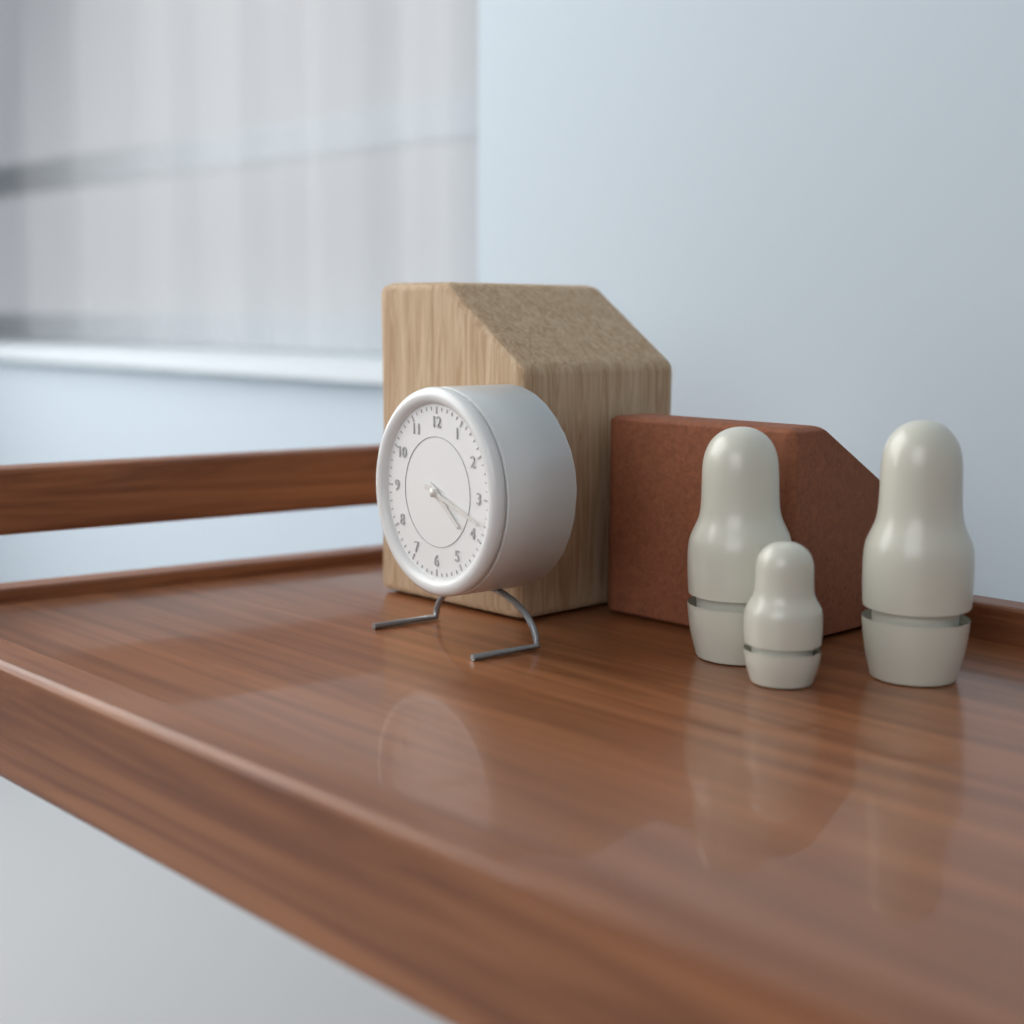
4:18
